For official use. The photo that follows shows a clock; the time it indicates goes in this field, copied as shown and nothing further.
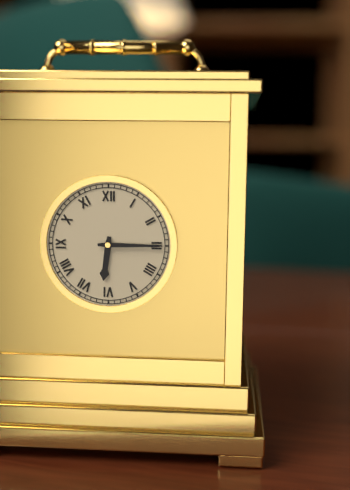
6:15
